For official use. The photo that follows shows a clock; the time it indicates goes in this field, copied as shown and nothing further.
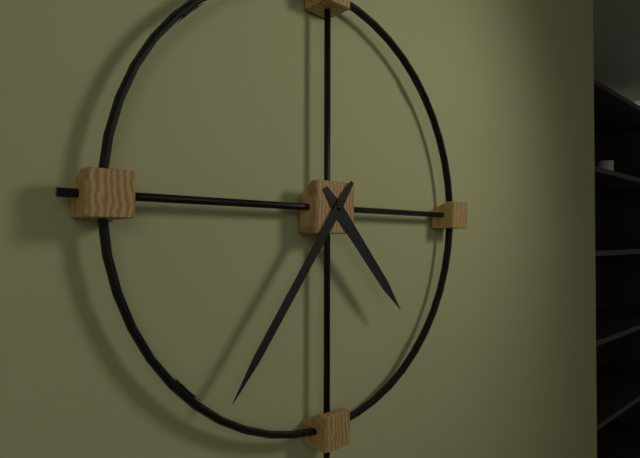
4:36
